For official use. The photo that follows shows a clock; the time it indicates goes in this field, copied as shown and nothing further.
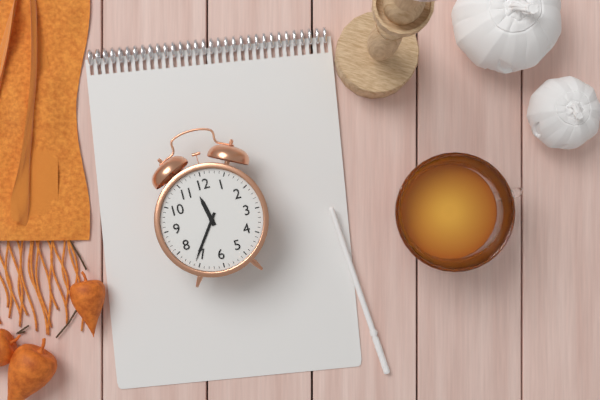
11:36
